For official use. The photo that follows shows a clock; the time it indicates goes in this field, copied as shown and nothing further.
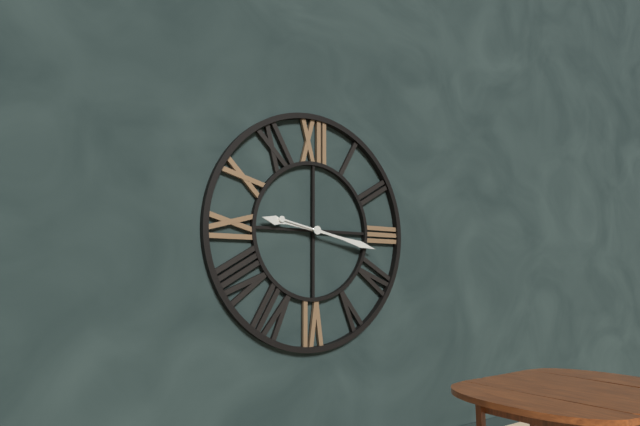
9:17
